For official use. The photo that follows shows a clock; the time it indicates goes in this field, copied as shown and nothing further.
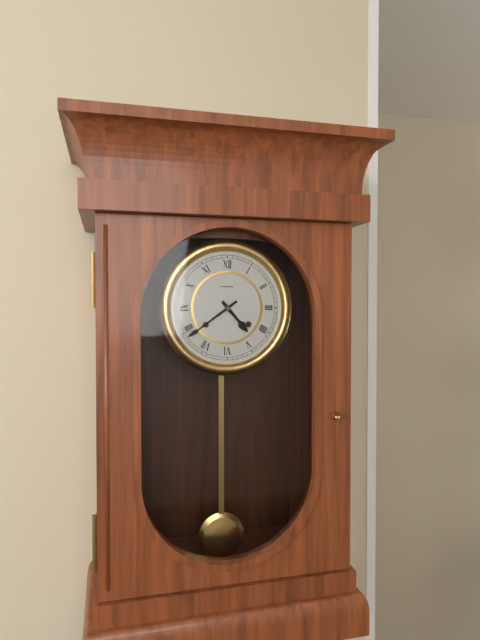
4:39
